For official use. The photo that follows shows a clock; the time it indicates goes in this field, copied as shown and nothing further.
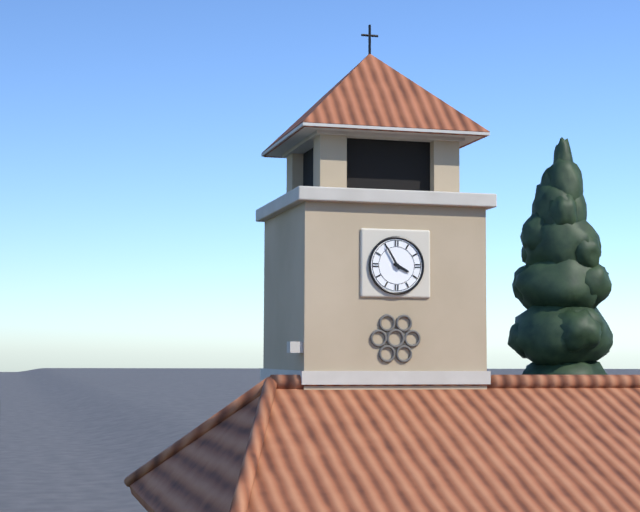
3:55
